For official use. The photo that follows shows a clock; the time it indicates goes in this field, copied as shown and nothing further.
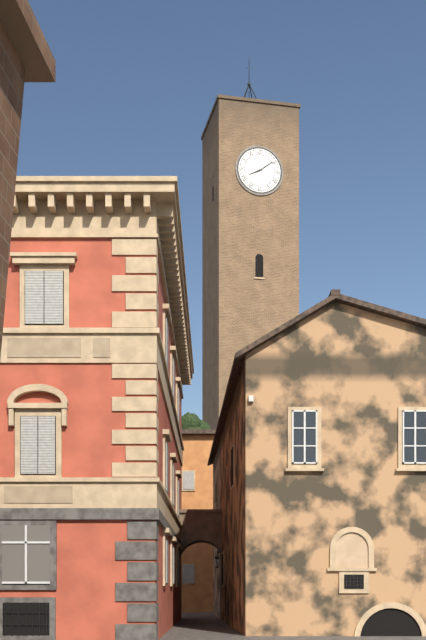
8:09
